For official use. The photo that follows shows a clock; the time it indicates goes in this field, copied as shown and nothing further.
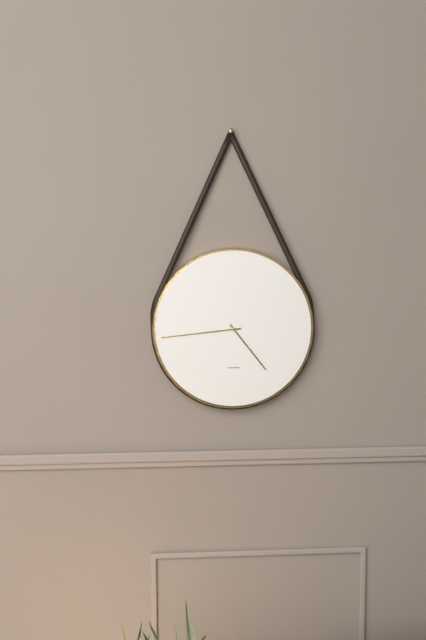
4:44
